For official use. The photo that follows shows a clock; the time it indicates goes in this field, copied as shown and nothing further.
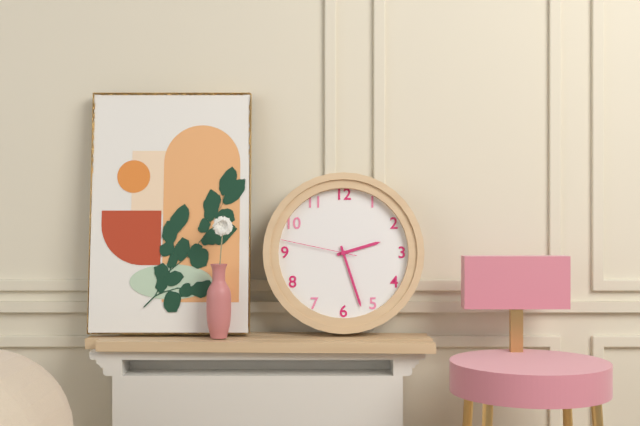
2:27:47
